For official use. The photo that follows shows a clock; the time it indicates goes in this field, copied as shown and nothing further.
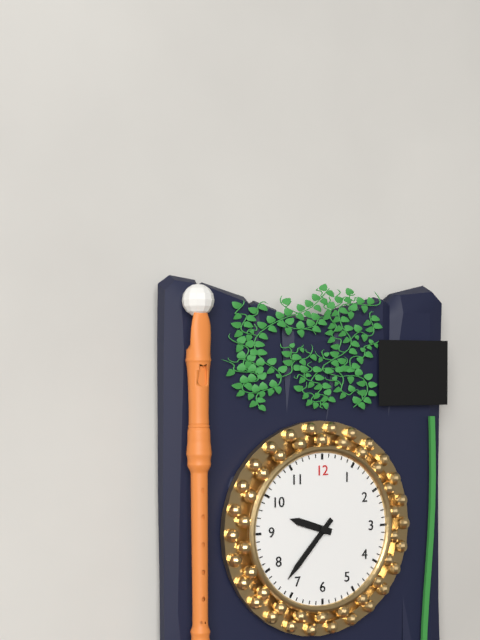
9:37
